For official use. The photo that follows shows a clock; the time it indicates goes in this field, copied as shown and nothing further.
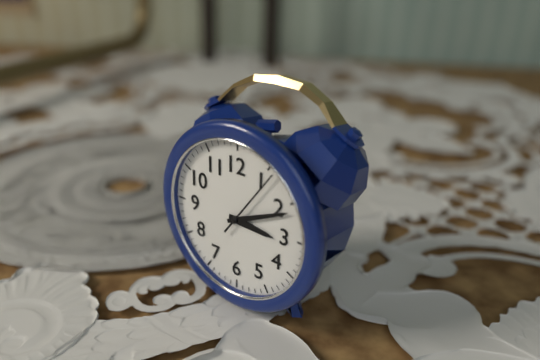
3:11:06
